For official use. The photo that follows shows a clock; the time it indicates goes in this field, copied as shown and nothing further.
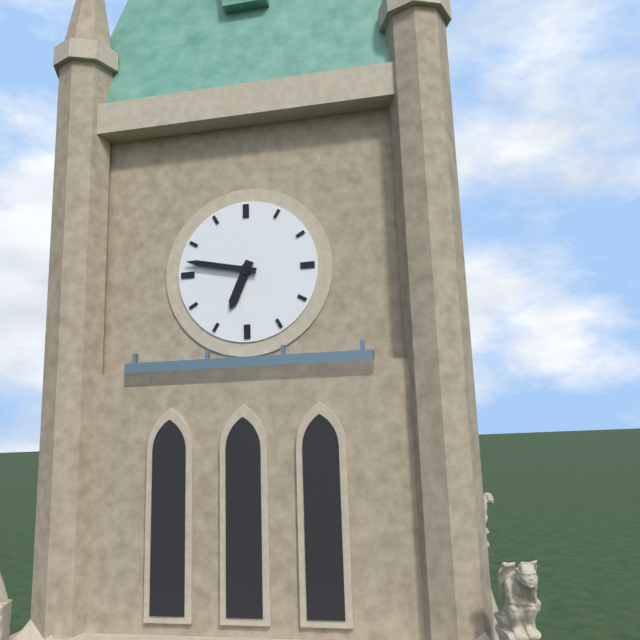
6:47
